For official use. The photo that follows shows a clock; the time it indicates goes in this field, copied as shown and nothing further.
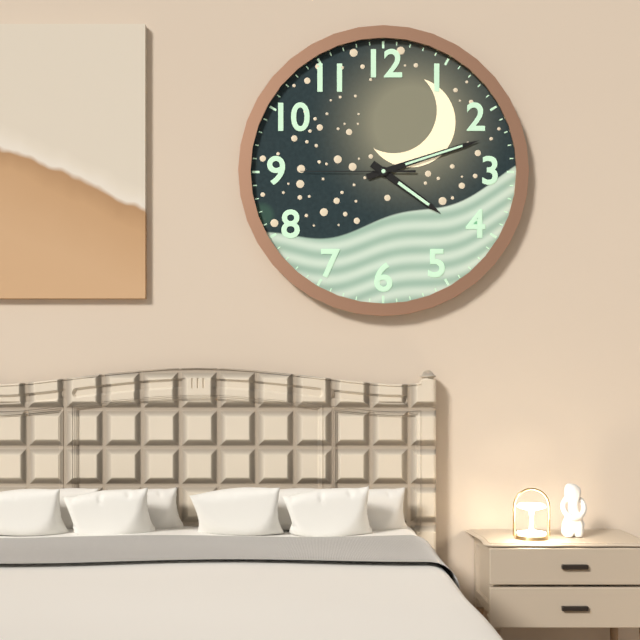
4:12:45
